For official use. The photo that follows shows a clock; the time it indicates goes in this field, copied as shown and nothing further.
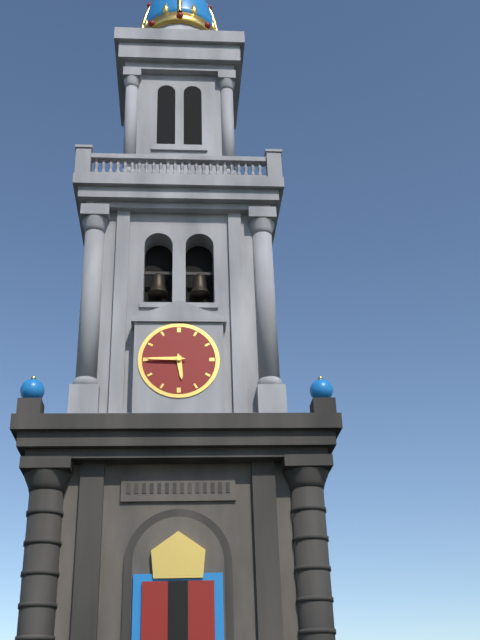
5:45
